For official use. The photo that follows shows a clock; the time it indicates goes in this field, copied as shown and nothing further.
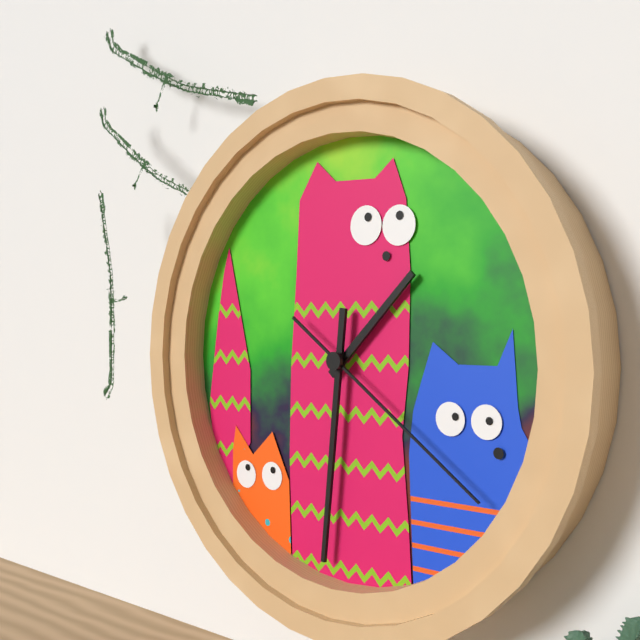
1:31:21
